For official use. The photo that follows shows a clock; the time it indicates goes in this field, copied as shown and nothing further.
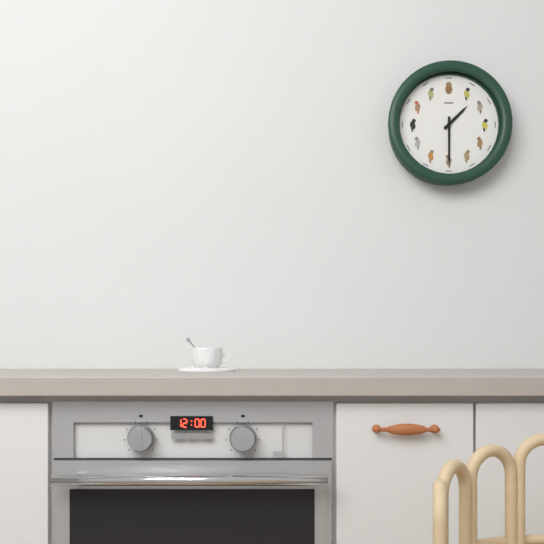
1:30
